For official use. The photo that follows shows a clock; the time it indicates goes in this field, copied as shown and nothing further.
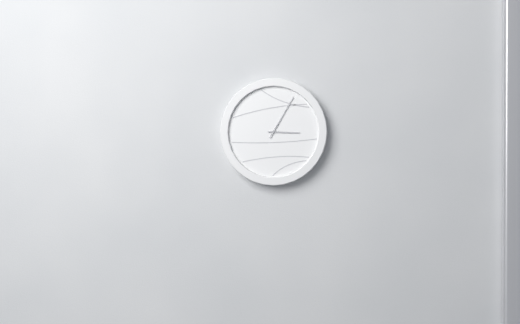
3:05
